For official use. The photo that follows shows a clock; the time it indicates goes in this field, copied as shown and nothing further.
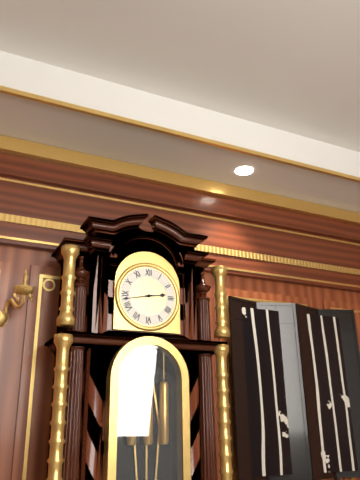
2:43
